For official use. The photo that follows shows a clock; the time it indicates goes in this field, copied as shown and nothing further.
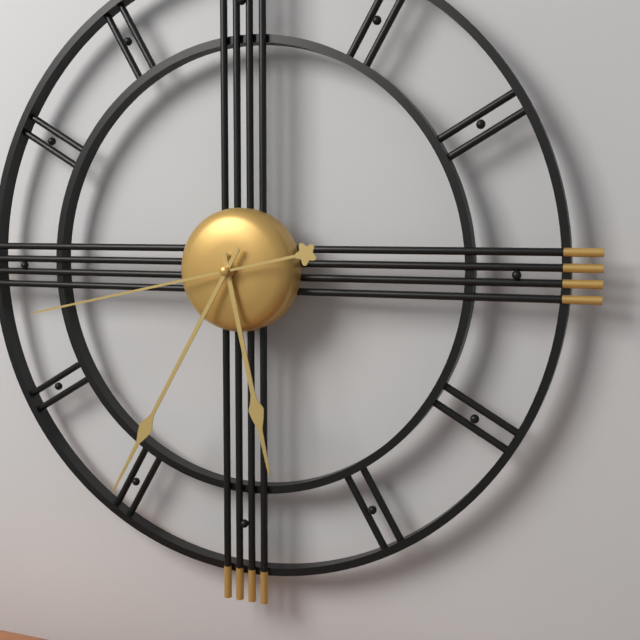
5:35:43
